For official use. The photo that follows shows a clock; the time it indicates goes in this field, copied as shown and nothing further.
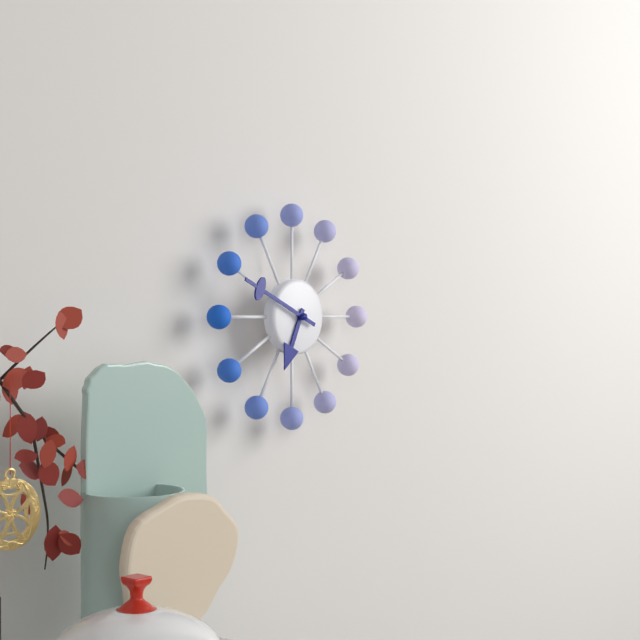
6:49
